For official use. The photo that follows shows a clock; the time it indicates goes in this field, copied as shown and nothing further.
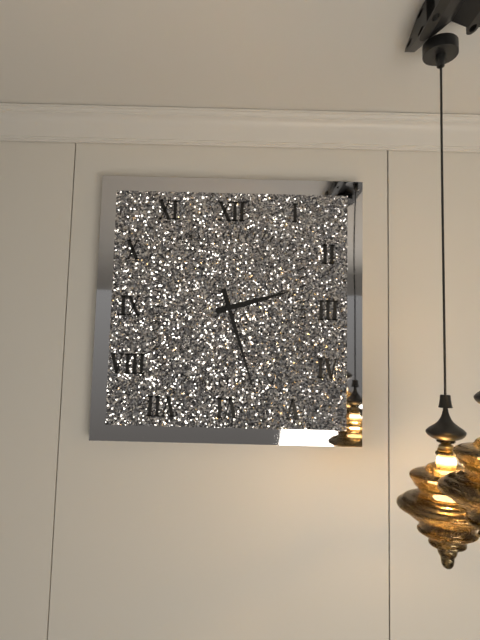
2:27
